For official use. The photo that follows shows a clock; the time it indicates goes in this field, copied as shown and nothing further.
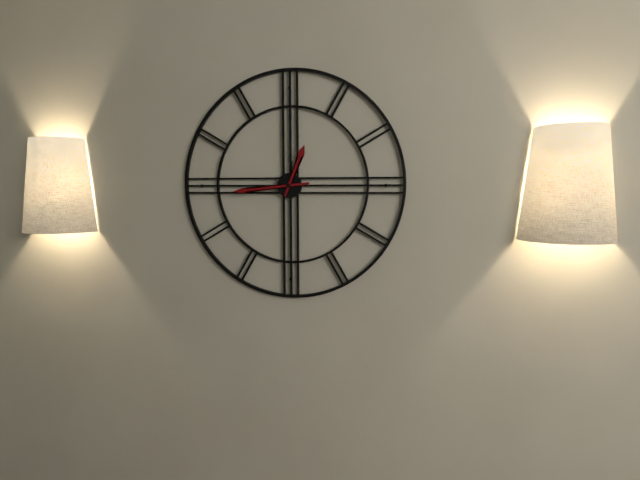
12:44
